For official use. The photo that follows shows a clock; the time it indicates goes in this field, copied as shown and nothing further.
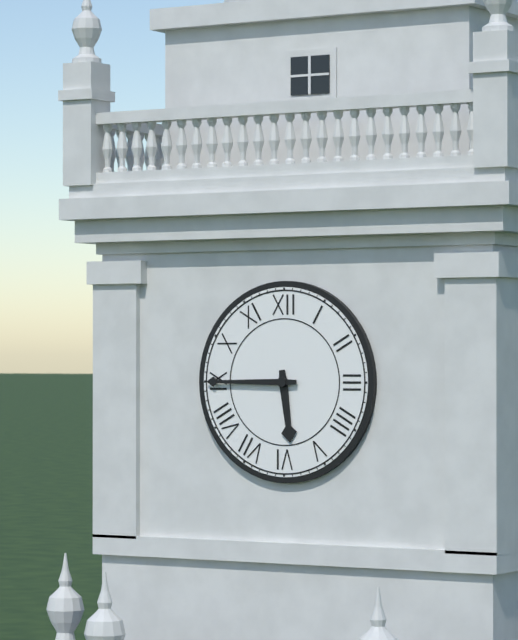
5:45
